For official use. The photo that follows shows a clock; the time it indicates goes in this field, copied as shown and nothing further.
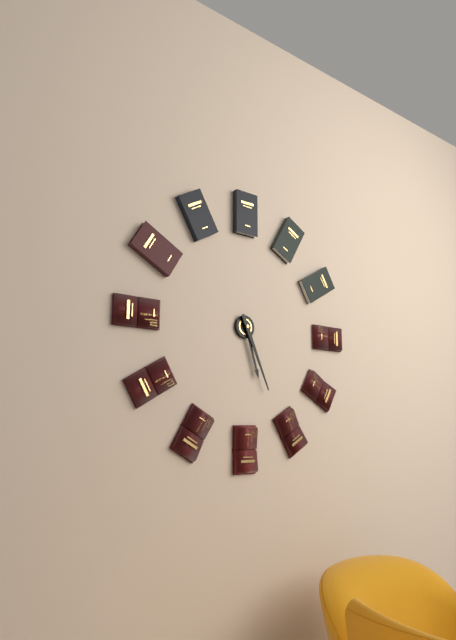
5:26
